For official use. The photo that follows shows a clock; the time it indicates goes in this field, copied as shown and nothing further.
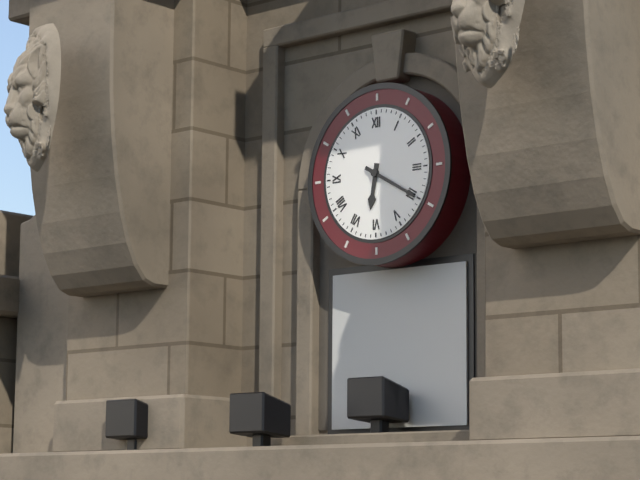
6:20
